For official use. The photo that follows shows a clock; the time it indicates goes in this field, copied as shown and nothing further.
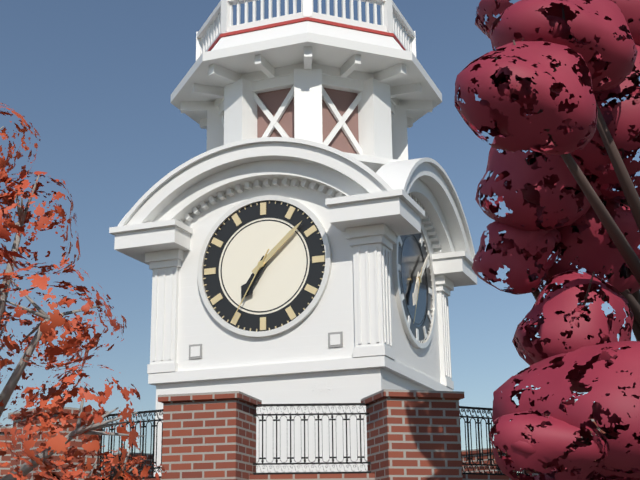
7:08:35
